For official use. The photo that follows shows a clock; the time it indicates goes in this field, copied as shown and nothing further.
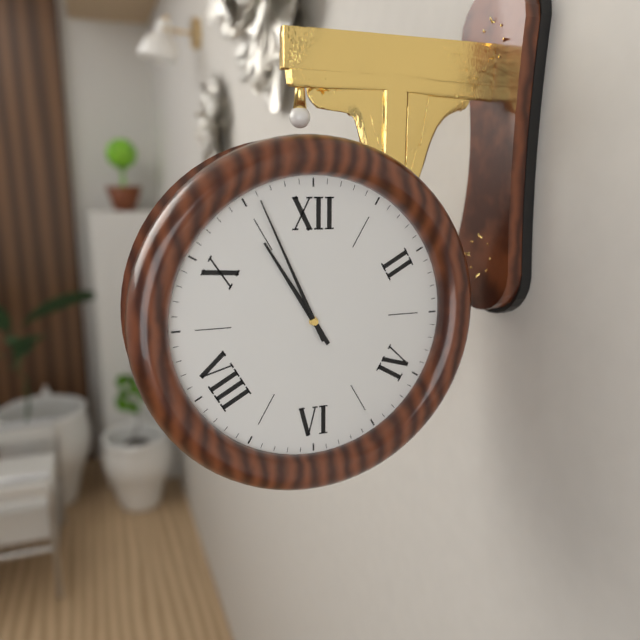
10:56
